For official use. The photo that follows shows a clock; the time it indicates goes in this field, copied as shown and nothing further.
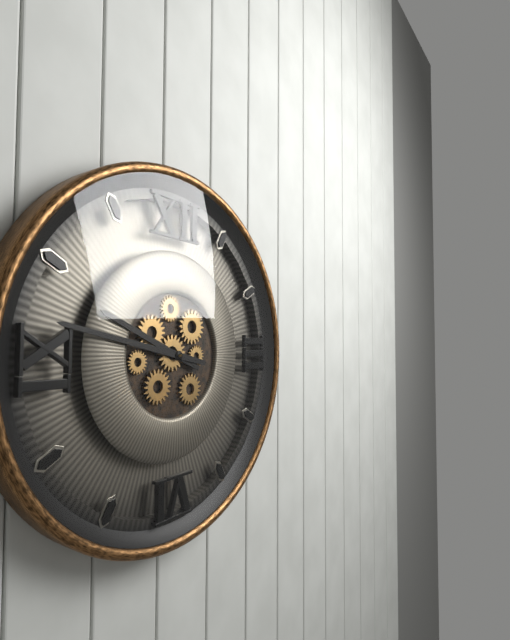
9:47
